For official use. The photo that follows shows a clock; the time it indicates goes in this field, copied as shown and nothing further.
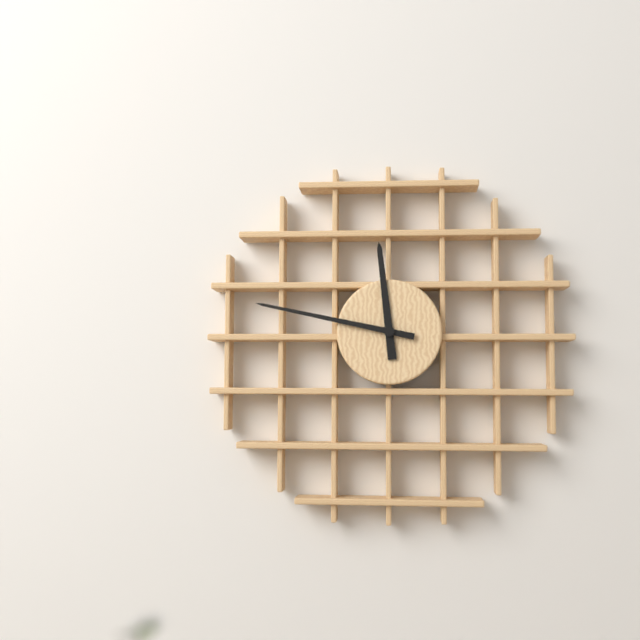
11:47
